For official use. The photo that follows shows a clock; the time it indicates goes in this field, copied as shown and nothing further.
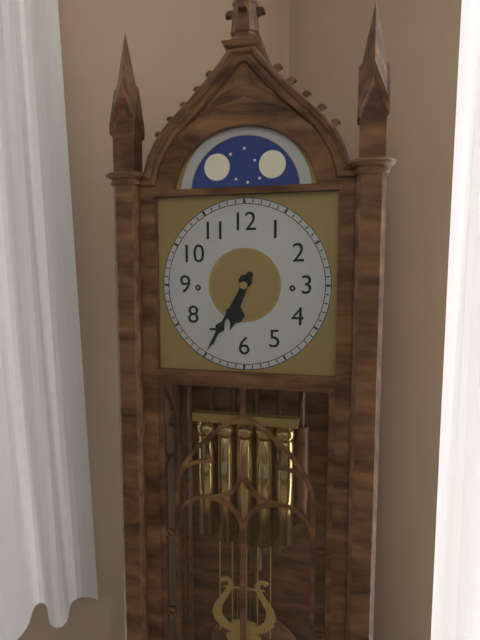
6:35
